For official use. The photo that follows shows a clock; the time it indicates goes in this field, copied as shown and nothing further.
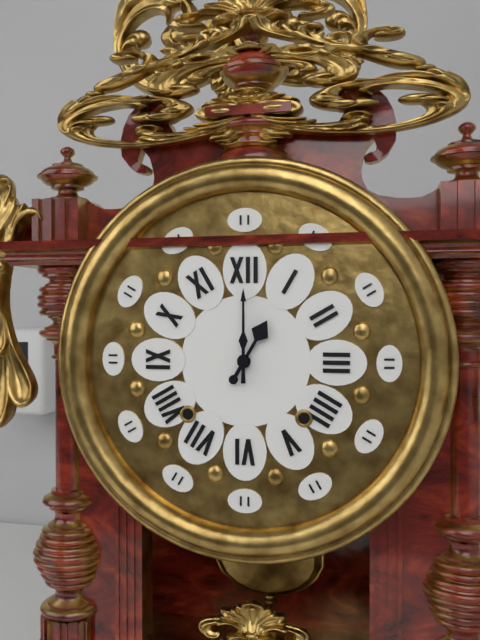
1:00
